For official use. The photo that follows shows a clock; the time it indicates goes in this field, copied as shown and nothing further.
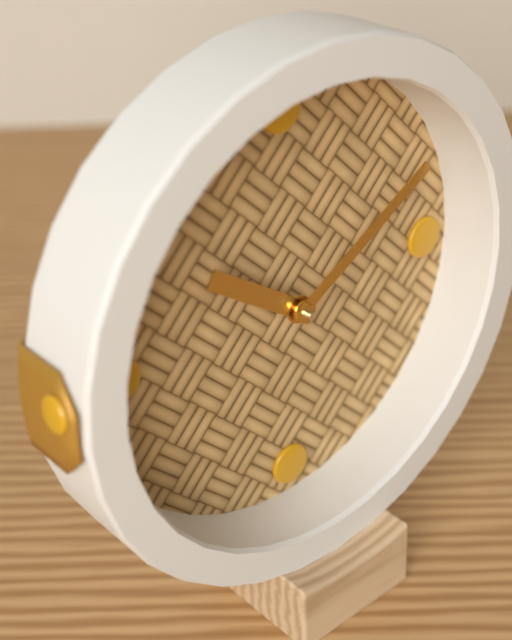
10:10
